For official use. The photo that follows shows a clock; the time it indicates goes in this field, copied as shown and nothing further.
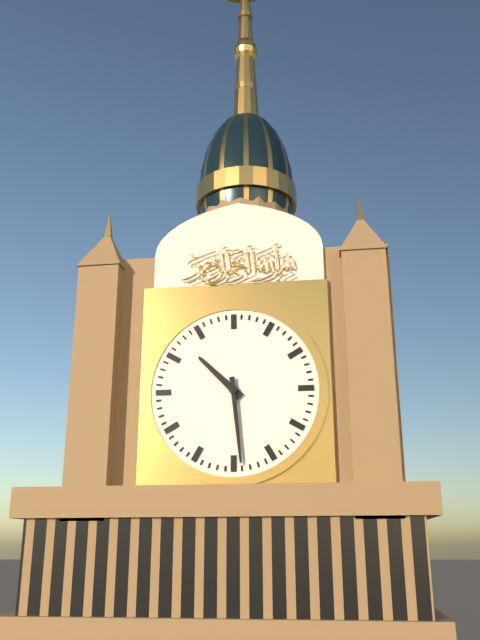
10:29
